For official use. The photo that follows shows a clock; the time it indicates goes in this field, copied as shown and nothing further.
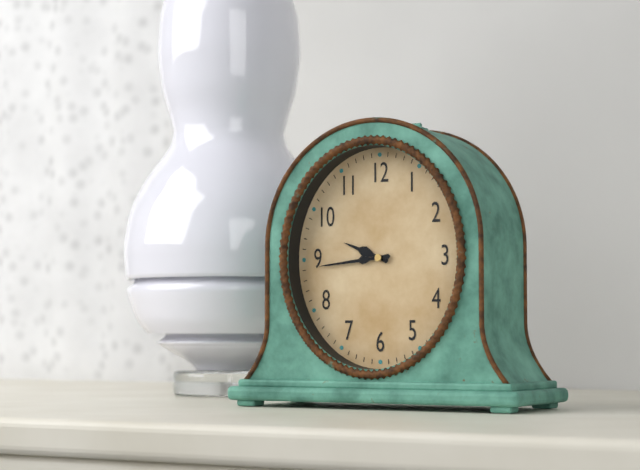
9:44
